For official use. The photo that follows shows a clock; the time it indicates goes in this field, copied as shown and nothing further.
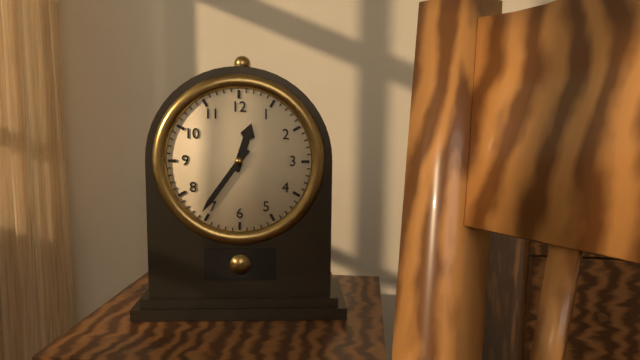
12:36
